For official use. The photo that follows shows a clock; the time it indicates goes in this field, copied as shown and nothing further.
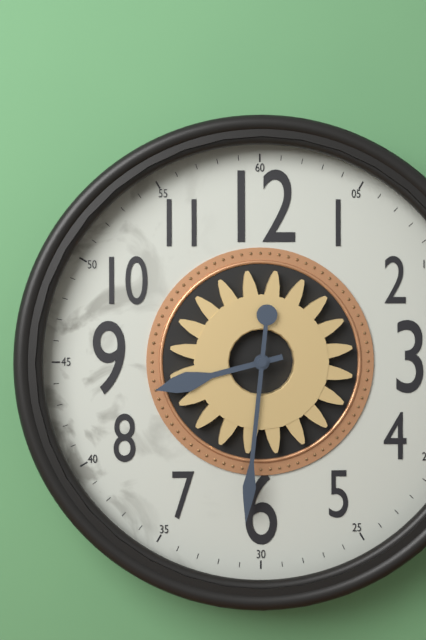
8:31
